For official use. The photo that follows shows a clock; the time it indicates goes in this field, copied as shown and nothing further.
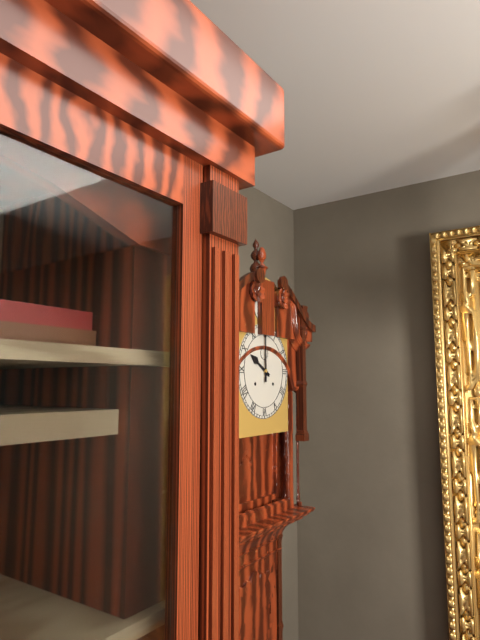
10:00
